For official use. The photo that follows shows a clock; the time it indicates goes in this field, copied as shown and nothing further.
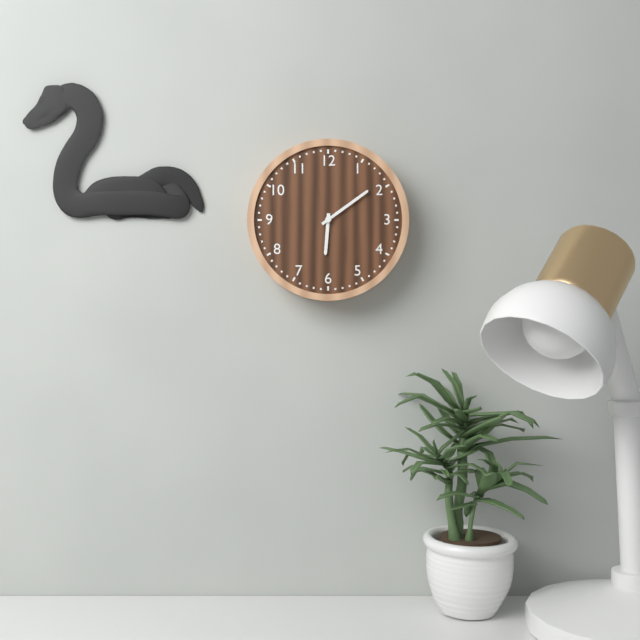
6:09
